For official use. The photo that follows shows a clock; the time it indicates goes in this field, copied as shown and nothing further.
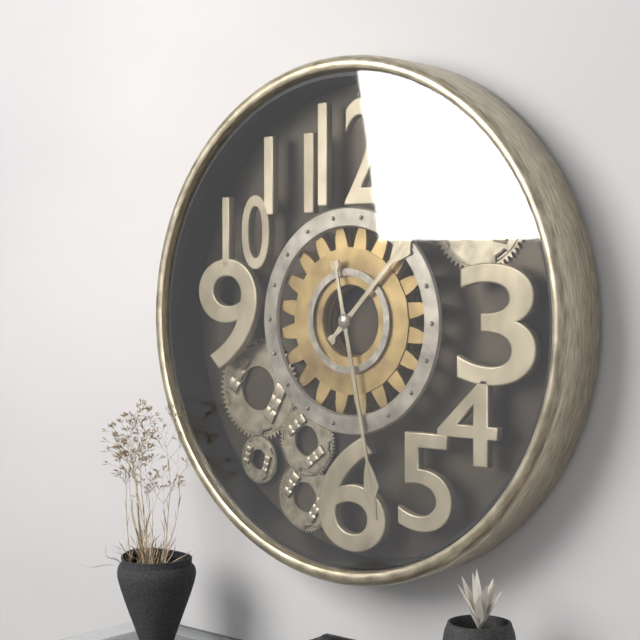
1:28
